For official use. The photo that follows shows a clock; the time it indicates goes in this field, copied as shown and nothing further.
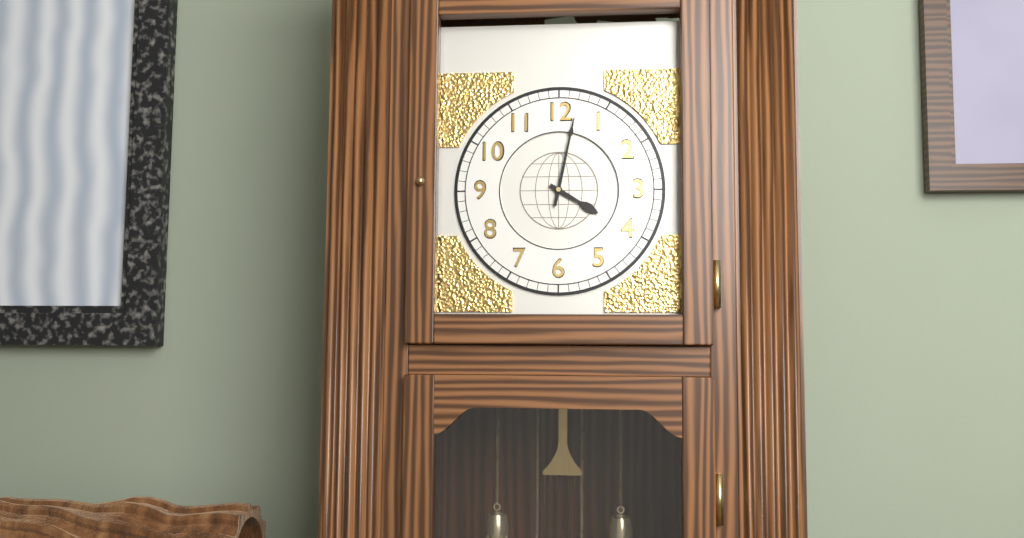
4:02
